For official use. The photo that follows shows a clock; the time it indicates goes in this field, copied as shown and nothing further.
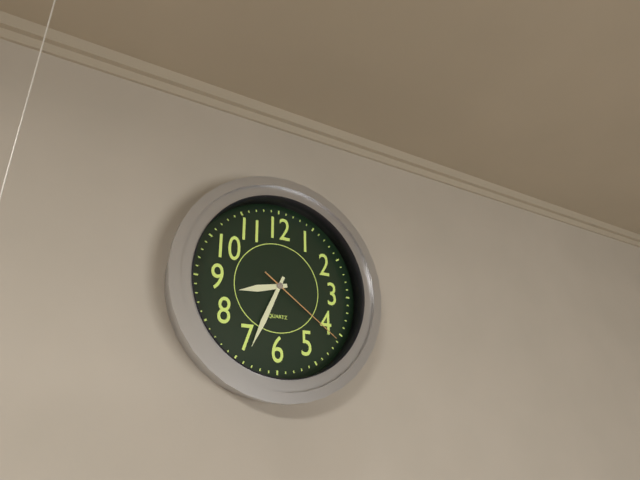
8:34:21
